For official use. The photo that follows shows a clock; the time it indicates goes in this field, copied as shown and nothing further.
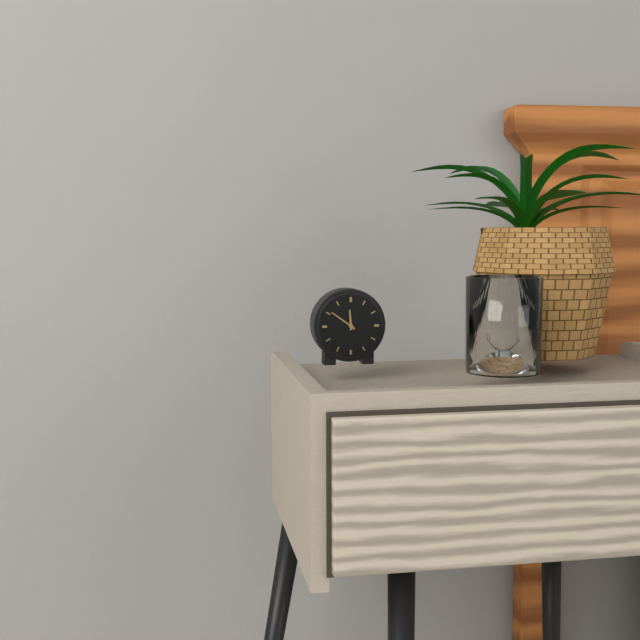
11:51
